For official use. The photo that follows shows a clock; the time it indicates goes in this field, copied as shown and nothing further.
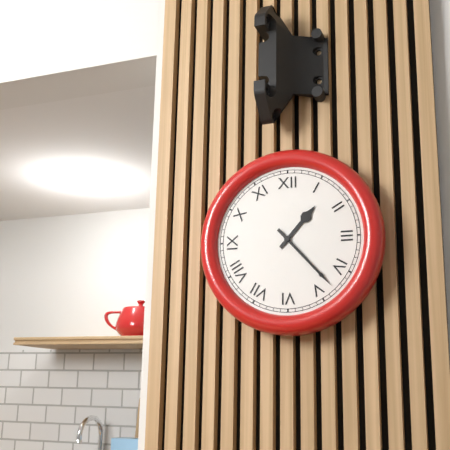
1:23
